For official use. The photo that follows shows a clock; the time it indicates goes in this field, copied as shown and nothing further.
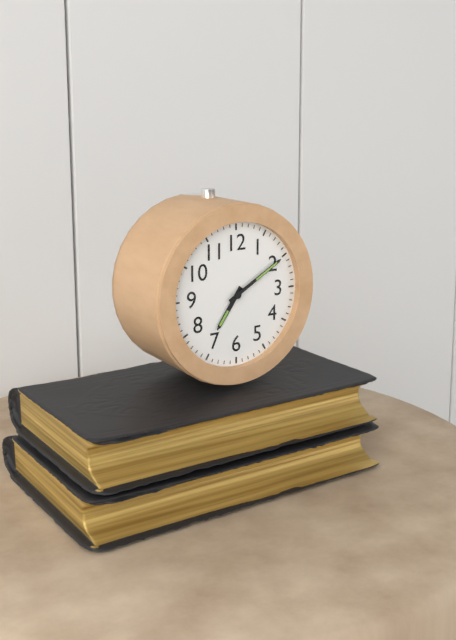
7:10
